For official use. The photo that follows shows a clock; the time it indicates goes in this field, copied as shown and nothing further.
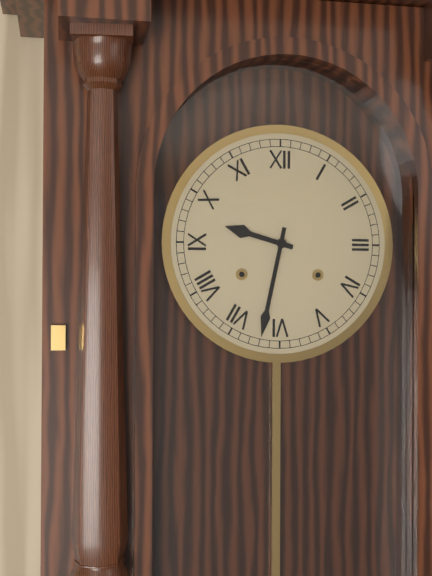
9:32
